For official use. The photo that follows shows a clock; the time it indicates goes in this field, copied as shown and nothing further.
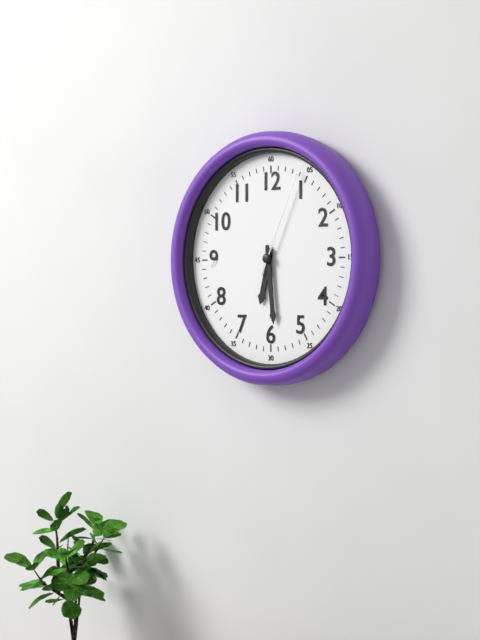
6:29:04
